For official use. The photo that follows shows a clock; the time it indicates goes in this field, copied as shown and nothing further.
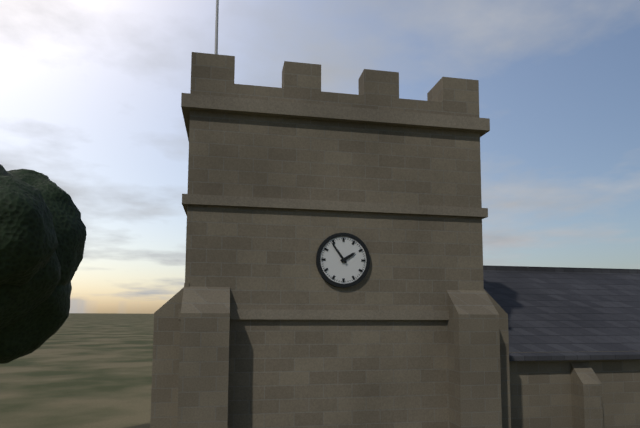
1:54
